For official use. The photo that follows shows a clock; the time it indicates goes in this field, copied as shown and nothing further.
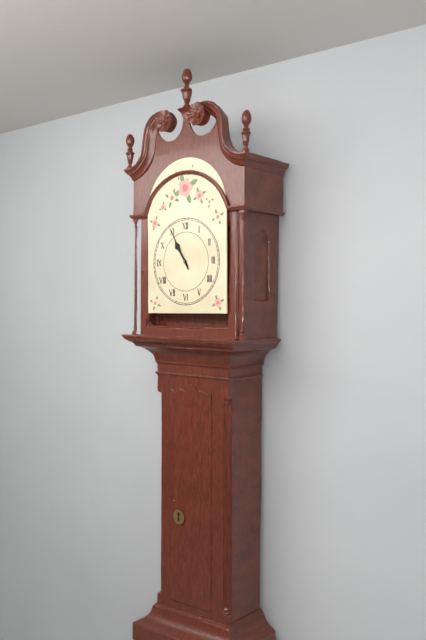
10:55
